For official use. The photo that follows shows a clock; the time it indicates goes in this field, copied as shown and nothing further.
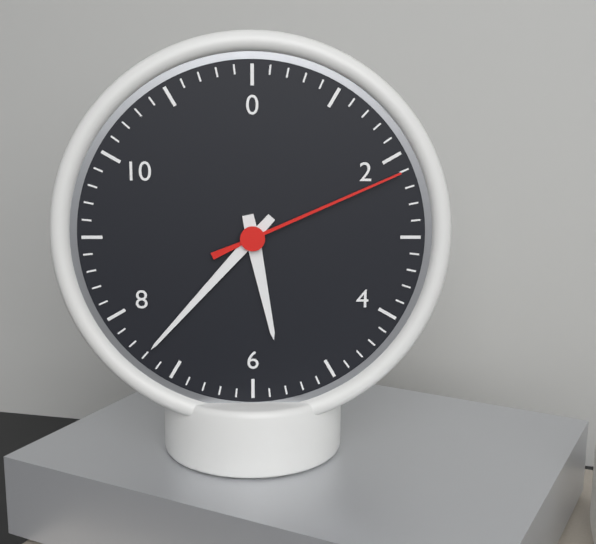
5:37:11
